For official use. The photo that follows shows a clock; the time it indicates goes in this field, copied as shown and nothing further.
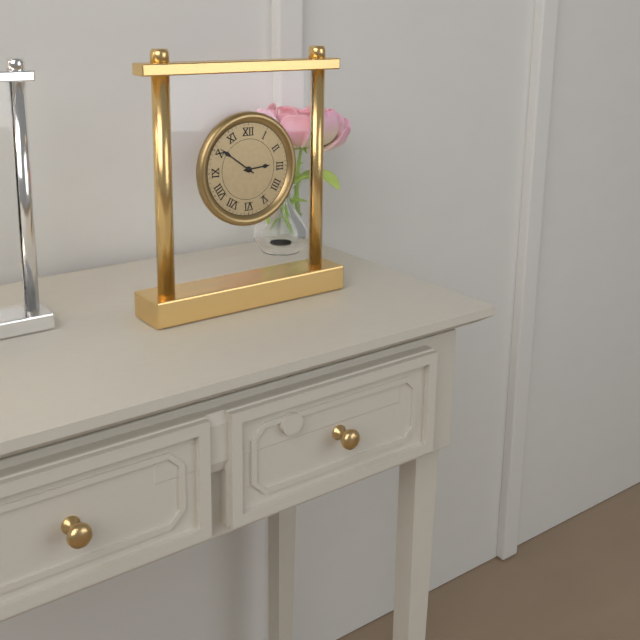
2:51
